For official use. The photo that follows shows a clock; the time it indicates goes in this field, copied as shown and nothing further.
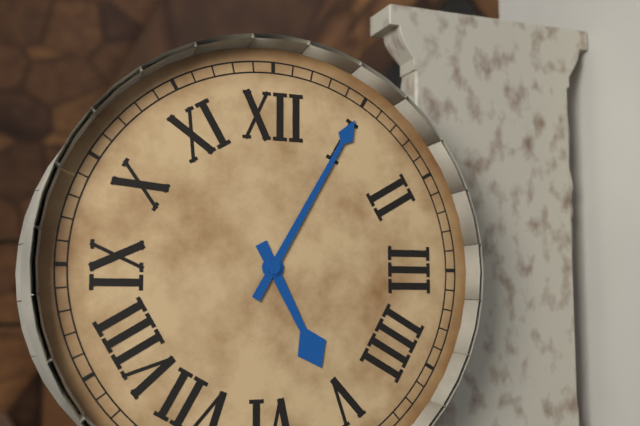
5:05
